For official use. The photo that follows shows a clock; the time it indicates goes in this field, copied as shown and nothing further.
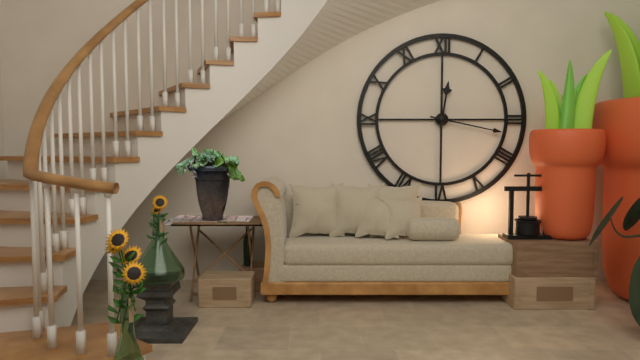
12:17
